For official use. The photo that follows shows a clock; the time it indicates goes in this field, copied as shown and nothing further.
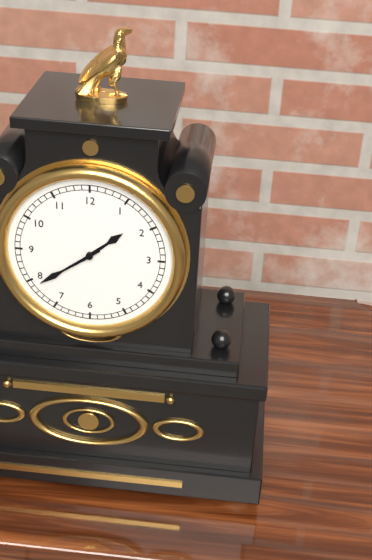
1:39
